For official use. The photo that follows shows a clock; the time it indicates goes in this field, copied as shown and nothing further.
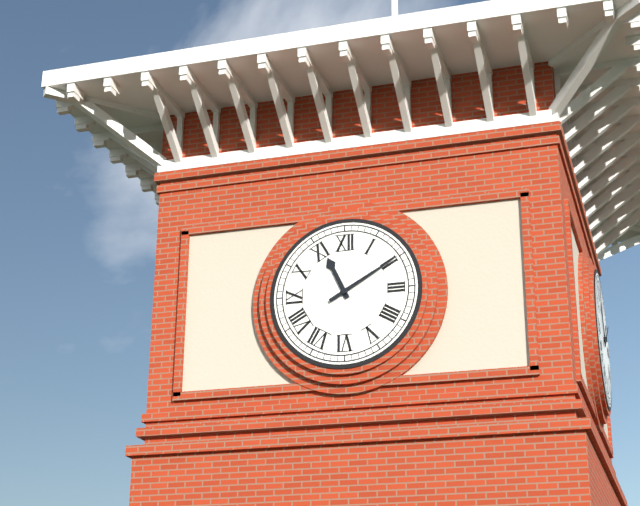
11:10
